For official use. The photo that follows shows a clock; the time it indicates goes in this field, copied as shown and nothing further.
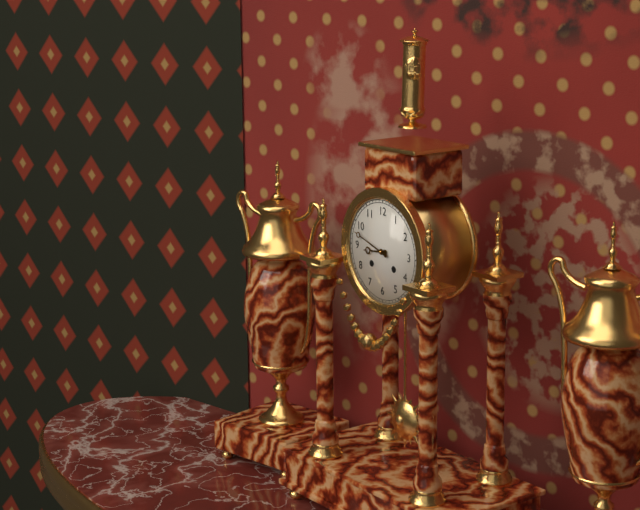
8:48
